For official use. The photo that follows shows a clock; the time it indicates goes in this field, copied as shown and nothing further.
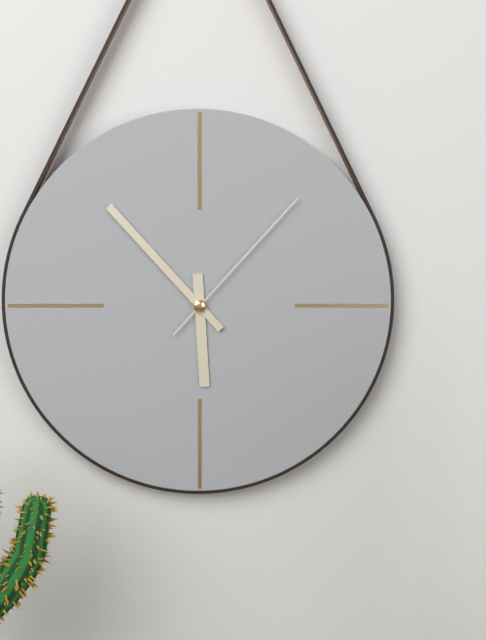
5:53:07
